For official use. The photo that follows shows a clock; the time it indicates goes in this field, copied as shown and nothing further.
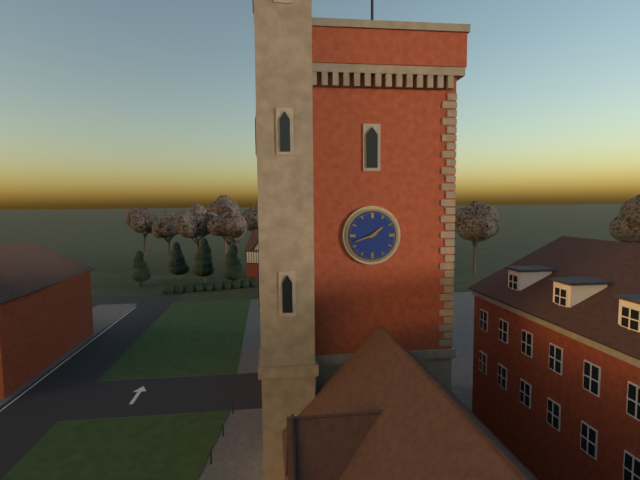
1:42
